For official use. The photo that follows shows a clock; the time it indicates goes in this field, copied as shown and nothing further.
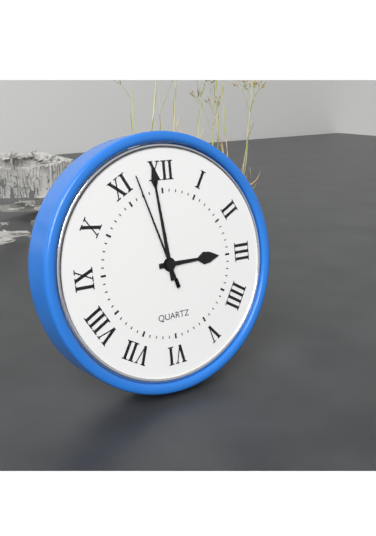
2:59:57
